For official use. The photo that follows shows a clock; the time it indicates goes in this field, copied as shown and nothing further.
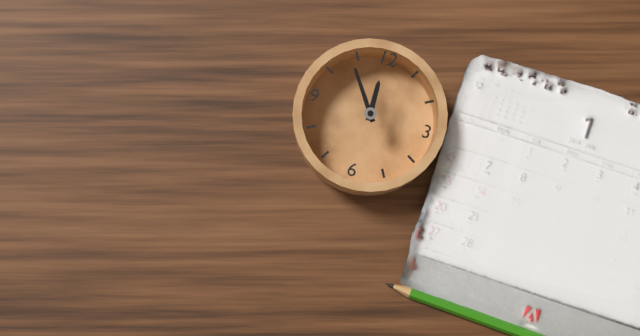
11:54
